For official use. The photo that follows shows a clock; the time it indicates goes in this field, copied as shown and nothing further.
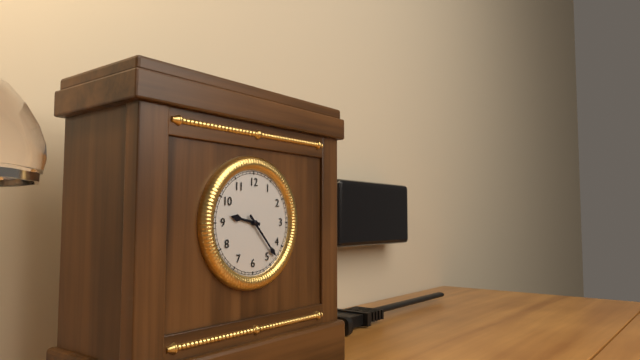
9:23
